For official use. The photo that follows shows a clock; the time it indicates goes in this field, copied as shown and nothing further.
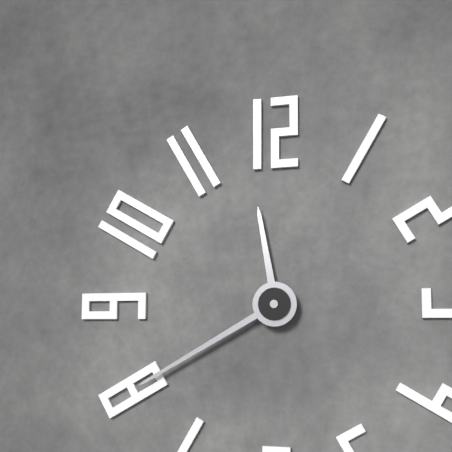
11:40
